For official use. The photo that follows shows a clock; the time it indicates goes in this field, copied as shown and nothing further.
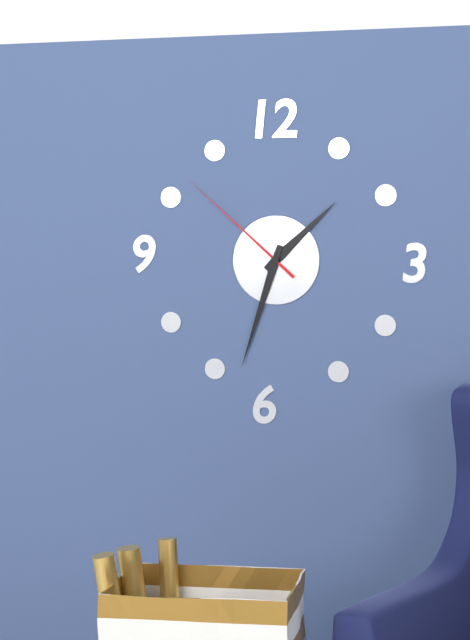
1:33:52
